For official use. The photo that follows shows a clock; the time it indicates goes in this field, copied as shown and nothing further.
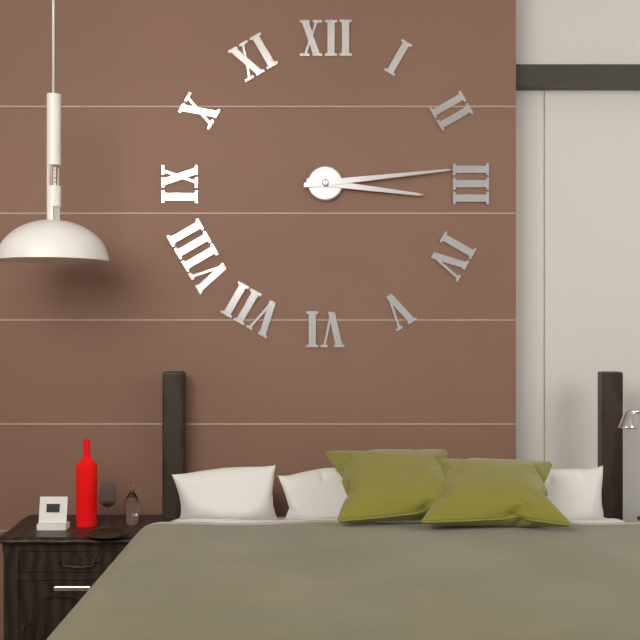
3:14
